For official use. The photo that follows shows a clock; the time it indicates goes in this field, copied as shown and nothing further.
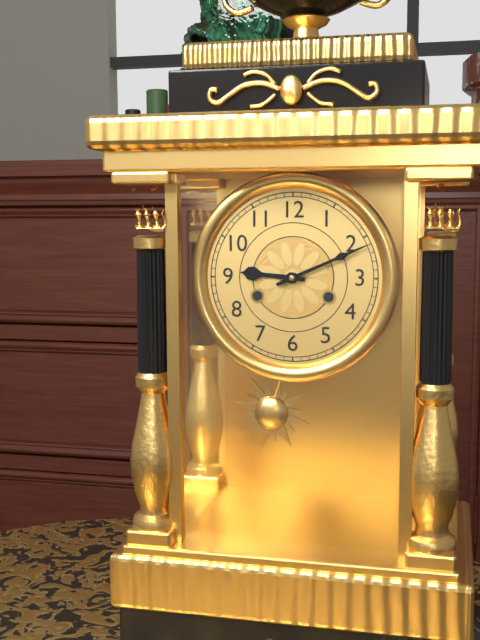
9:11
